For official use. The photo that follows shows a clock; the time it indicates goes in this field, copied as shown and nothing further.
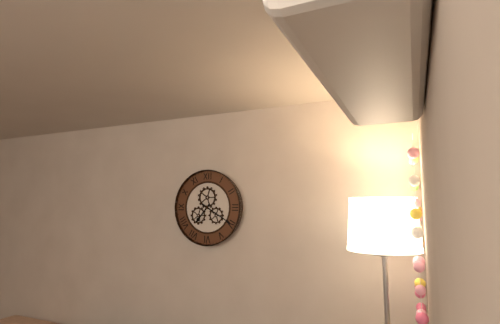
7:20
